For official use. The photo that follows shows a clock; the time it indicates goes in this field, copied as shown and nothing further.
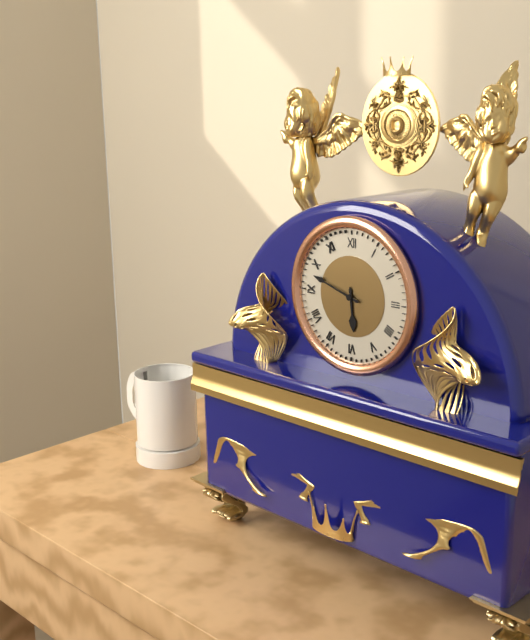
5:48
